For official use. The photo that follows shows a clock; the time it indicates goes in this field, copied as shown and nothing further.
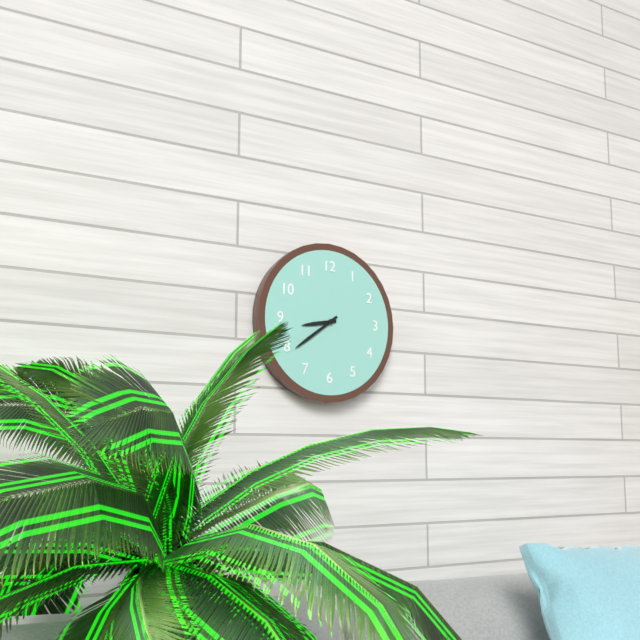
8:39
